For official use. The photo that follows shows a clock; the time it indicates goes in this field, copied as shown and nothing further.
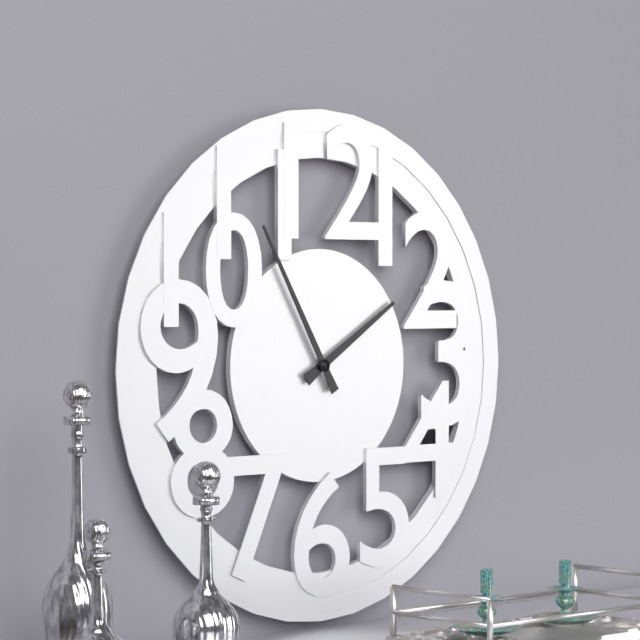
1:55
